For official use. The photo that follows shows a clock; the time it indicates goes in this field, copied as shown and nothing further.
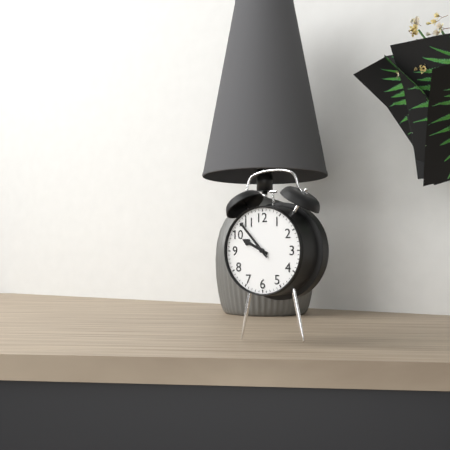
9:53
